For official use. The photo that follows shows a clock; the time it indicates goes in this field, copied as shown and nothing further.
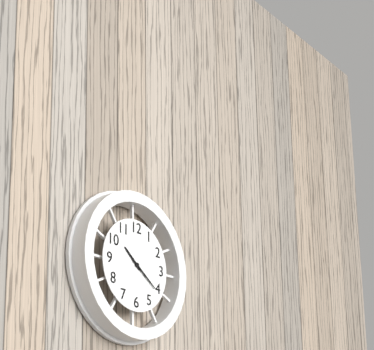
10:21
